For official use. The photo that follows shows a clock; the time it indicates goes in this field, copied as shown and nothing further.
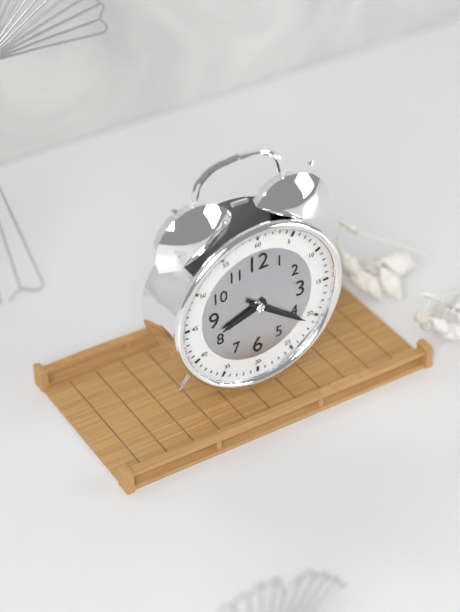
8:21
